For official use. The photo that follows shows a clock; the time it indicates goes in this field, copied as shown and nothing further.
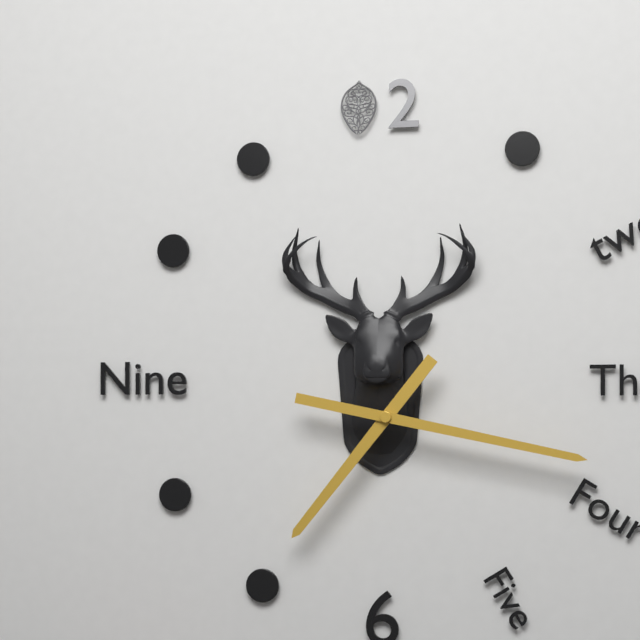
7:17
